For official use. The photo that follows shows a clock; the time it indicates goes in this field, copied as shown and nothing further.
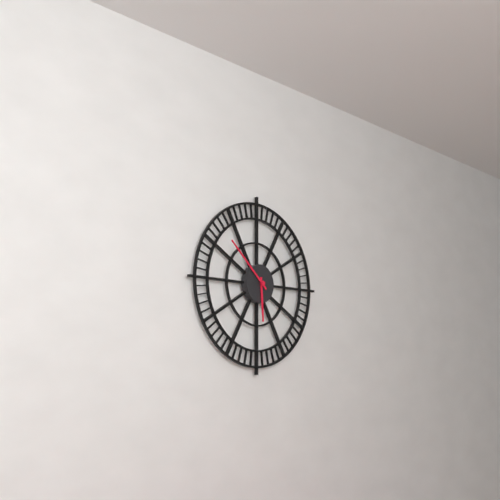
5:52
